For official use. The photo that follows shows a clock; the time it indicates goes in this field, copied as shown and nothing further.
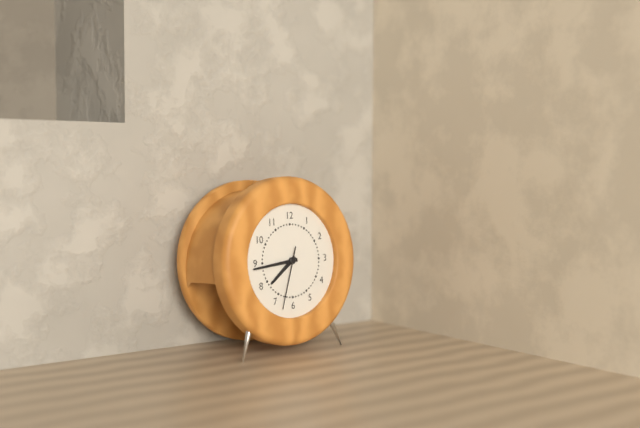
7:44:33
